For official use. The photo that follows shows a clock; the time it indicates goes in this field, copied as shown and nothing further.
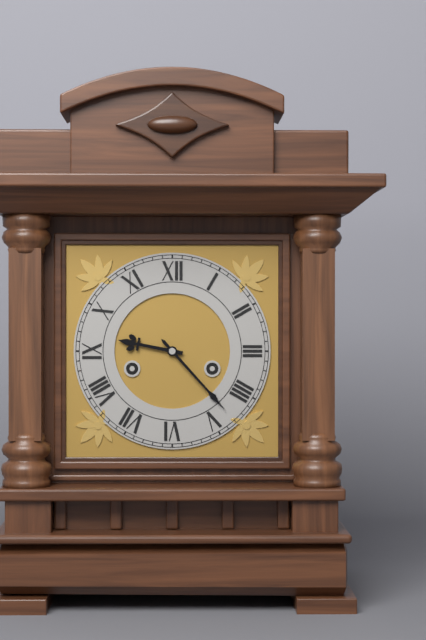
9:23
